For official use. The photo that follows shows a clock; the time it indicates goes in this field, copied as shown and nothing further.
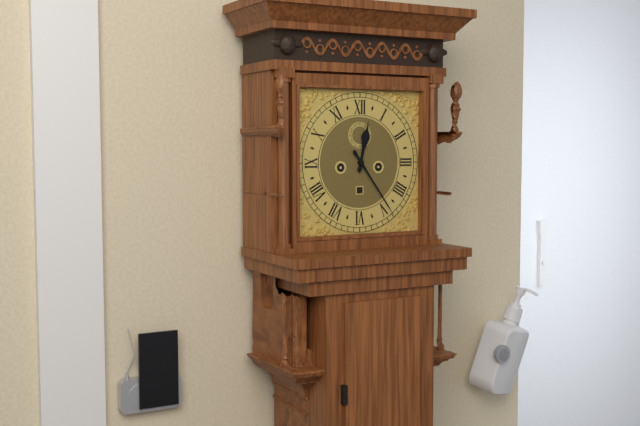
12:24
